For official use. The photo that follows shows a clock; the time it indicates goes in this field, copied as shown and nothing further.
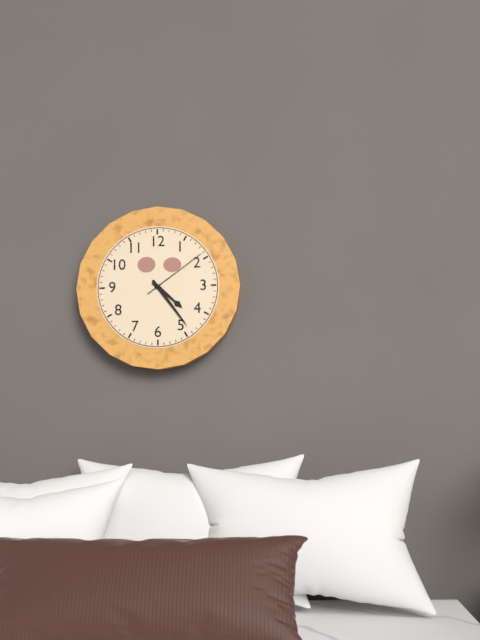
4:24:09
